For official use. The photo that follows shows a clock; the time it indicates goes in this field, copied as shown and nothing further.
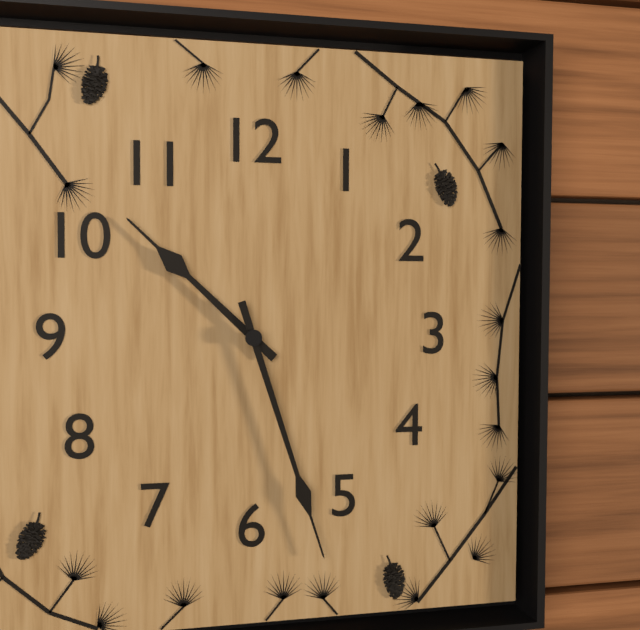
10:27
